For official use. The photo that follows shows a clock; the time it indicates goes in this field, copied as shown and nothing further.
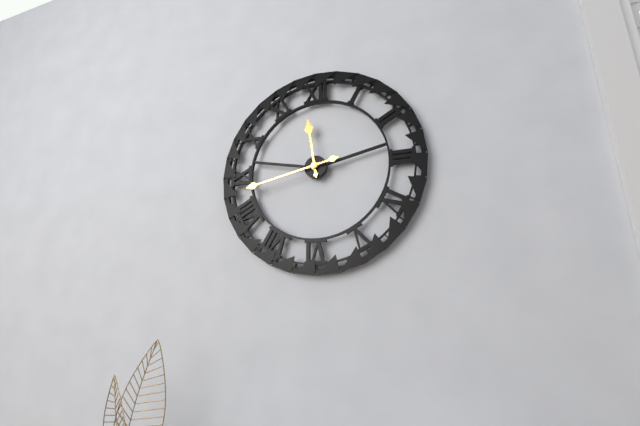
11:43
